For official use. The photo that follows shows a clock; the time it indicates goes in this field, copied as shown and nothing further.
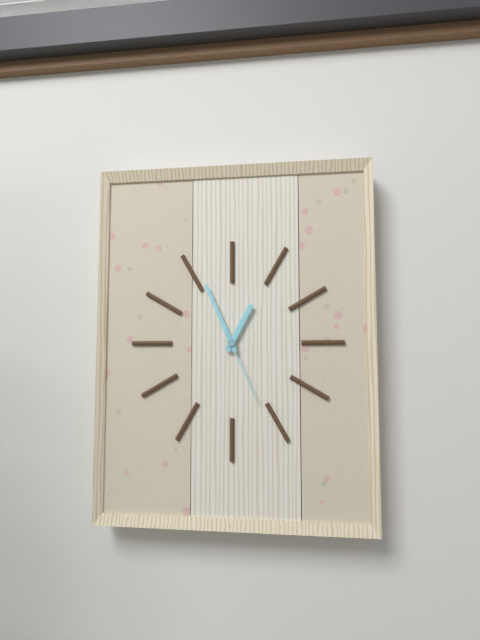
12:56:26
